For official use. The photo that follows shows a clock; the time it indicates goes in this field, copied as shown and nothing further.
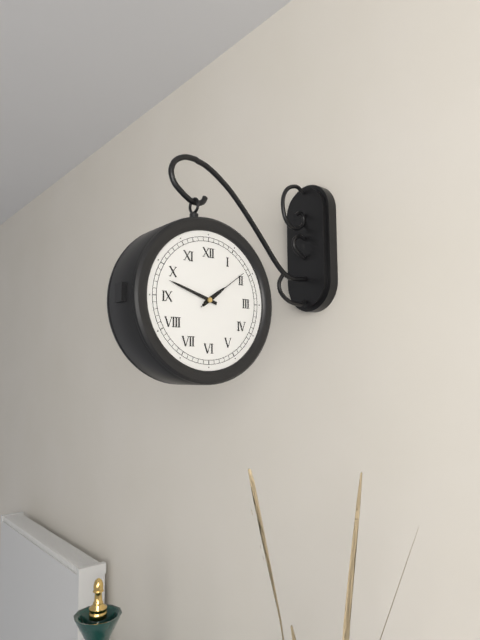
1:48:09
